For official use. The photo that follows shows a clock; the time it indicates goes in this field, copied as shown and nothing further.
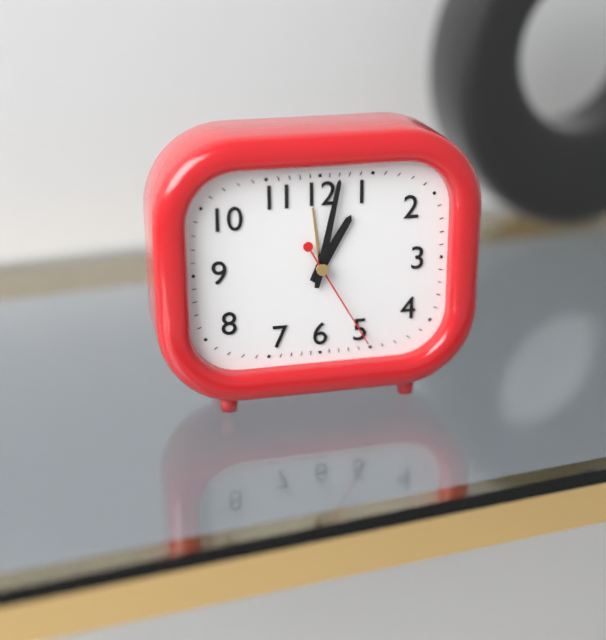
1:02:25
